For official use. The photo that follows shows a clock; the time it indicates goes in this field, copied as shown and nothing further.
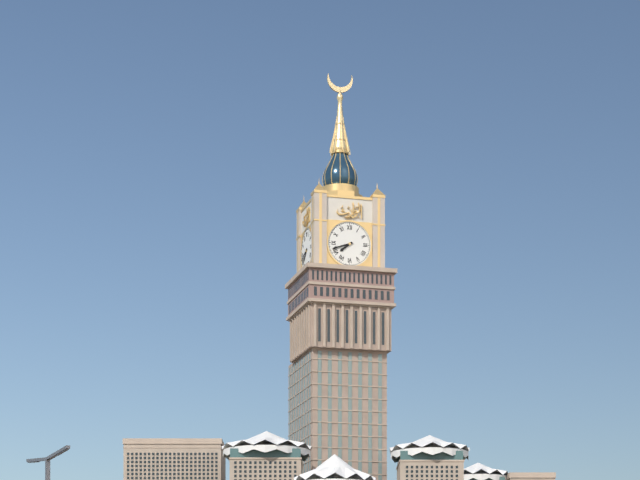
7:42
